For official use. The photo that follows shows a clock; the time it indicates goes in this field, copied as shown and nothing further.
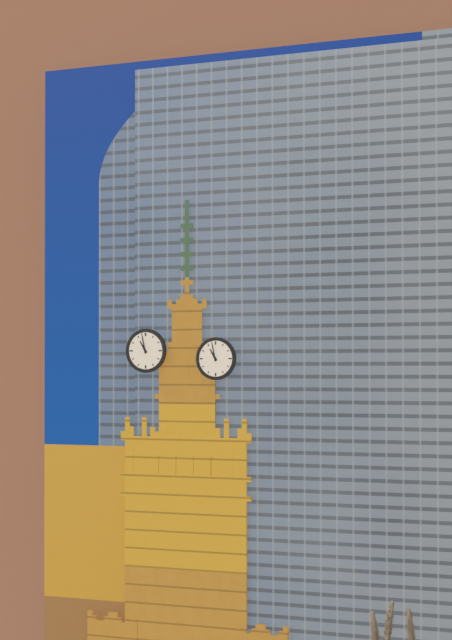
10:58
